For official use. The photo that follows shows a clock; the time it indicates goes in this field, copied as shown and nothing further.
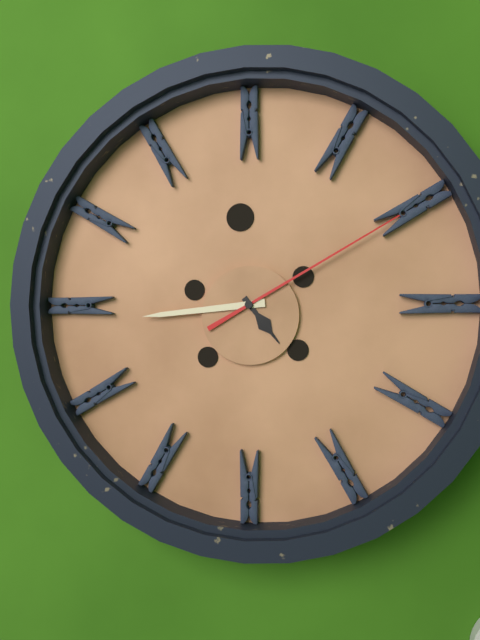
4:44:10
